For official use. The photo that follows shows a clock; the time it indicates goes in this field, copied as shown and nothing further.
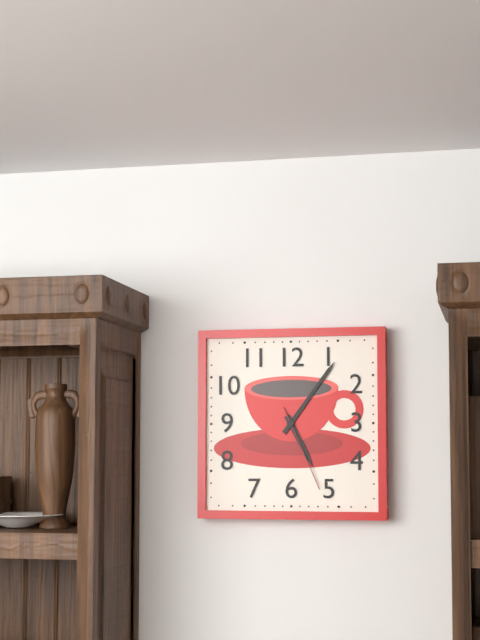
5:06:26
